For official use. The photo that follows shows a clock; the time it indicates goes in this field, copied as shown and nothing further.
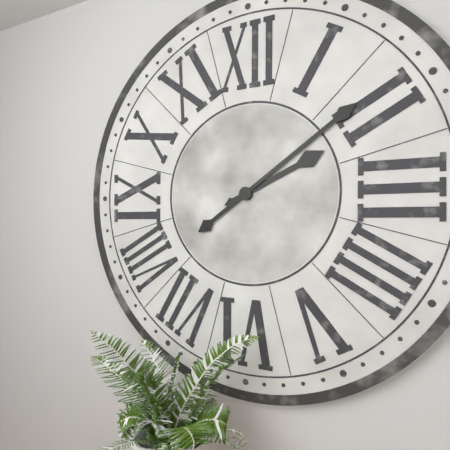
2:09
